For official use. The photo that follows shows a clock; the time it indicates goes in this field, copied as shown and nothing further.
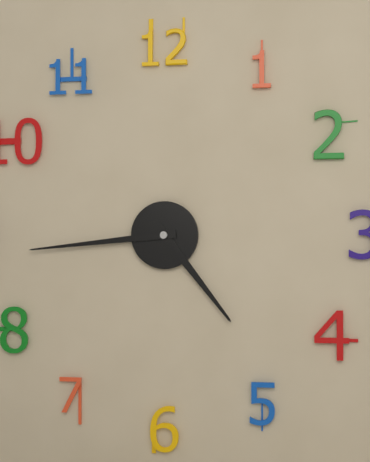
4:44
